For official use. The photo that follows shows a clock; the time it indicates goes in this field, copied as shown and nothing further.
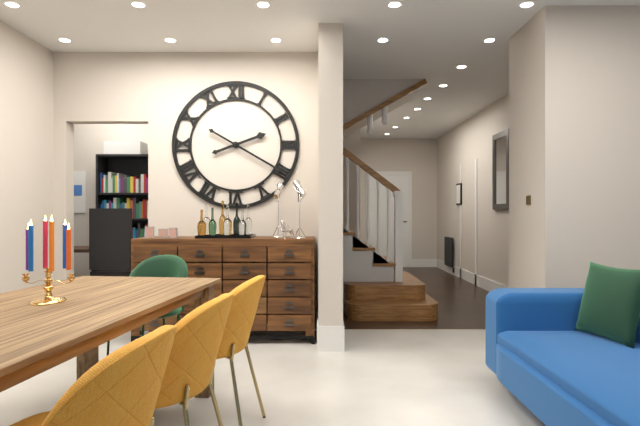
2:20
